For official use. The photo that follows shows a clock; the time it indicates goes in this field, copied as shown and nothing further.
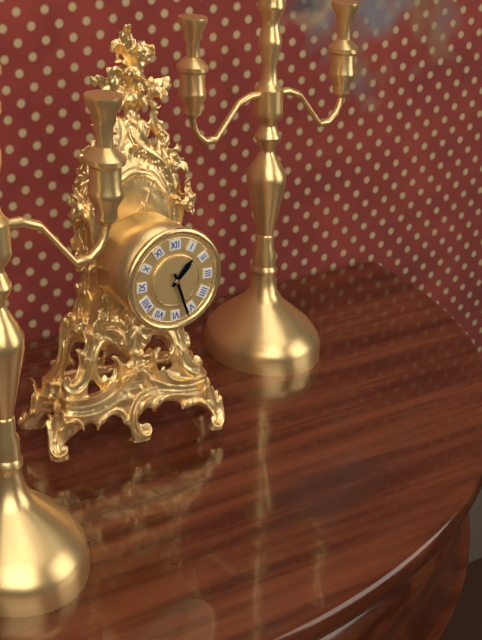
1:27
